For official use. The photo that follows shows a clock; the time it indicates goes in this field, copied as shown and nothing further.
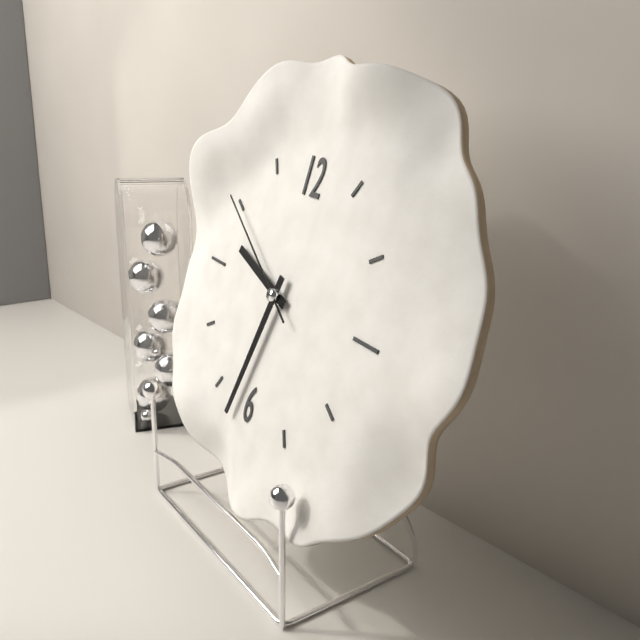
9:32:50
